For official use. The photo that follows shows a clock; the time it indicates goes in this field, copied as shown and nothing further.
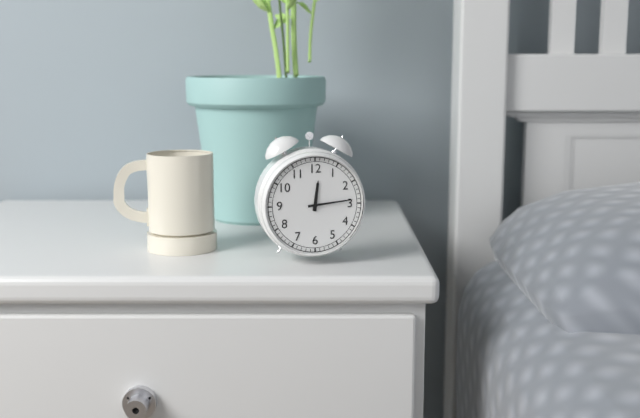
12:14
